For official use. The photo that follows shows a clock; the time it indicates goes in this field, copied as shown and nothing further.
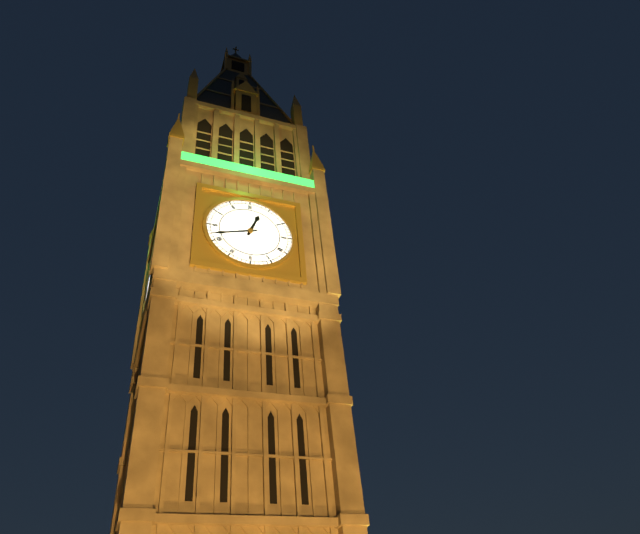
12:42
